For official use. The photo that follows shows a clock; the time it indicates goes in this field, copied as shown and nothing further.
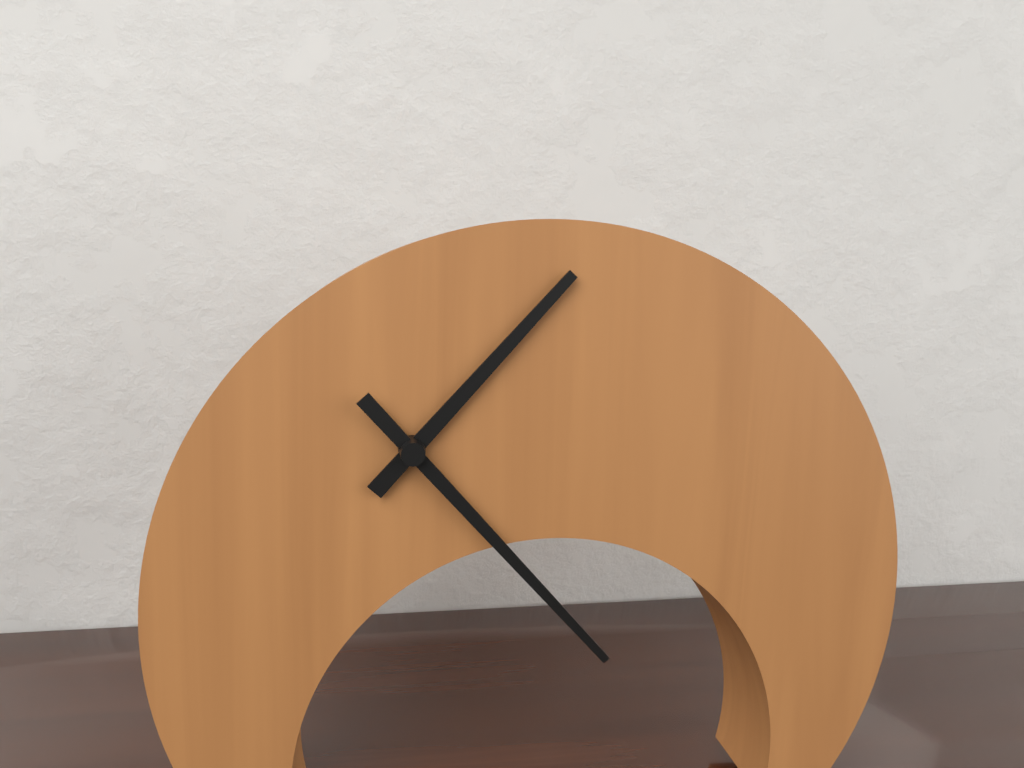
1:23
